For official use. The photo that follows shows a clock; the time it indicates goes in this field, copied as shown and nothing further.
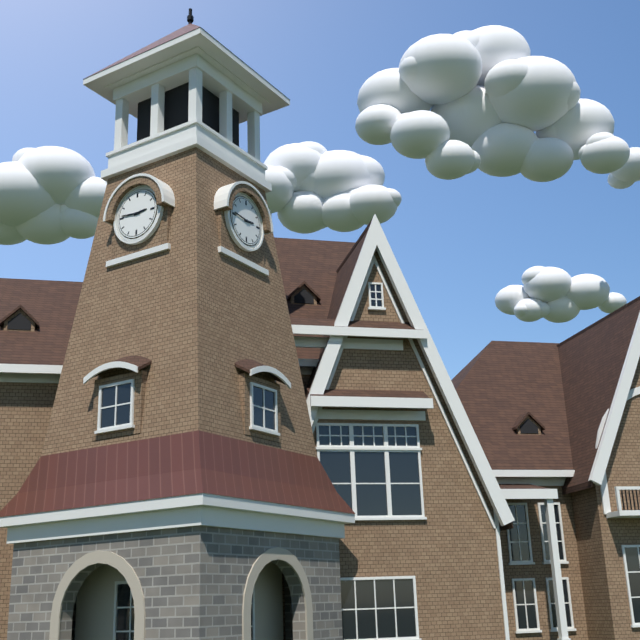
2:46
